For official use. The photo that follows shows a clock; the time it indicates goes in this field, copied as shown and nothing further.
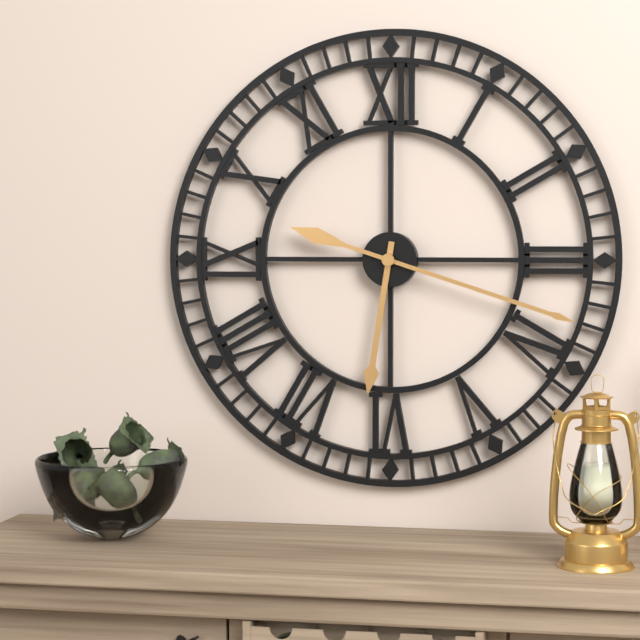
6:18
